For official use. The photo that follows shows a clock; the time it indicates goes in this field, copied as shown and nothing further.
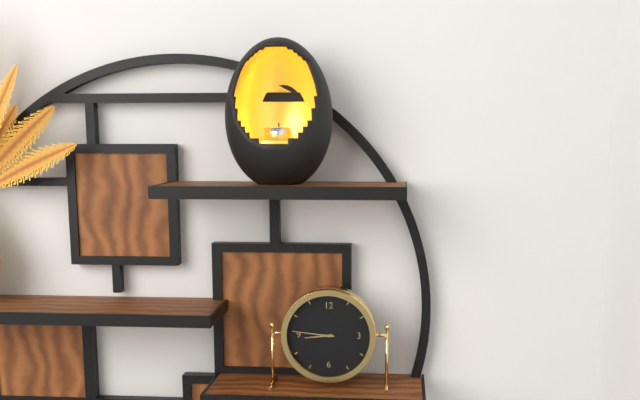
8:46
